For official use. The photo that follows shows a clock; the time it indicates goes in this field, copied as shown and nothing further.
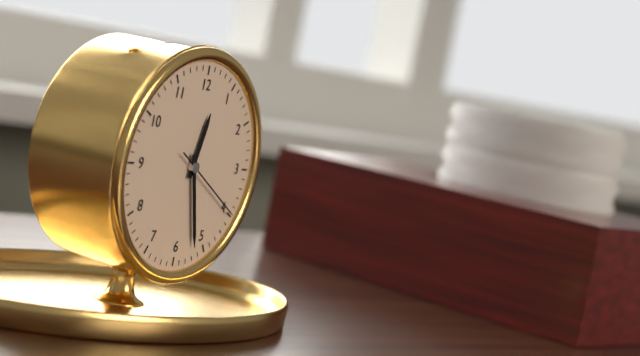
12:27:20
